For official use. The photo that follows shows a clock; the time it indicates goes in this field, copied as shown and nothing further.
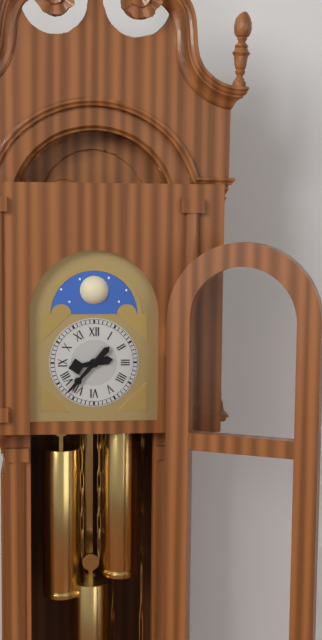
8:37
